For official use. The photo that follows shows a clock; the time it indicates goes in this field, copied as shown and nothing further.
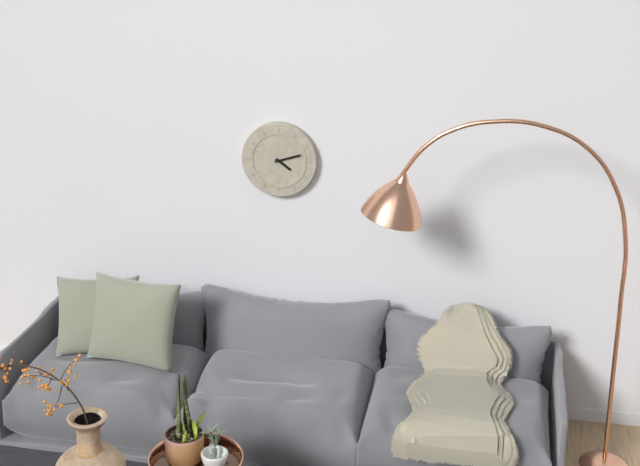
4:12
